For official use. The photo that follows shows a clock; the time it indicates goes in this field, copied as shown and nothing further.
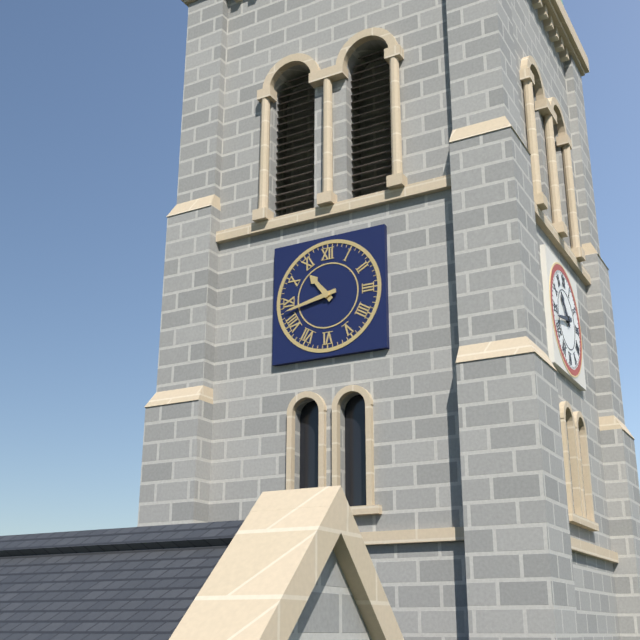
10:43
